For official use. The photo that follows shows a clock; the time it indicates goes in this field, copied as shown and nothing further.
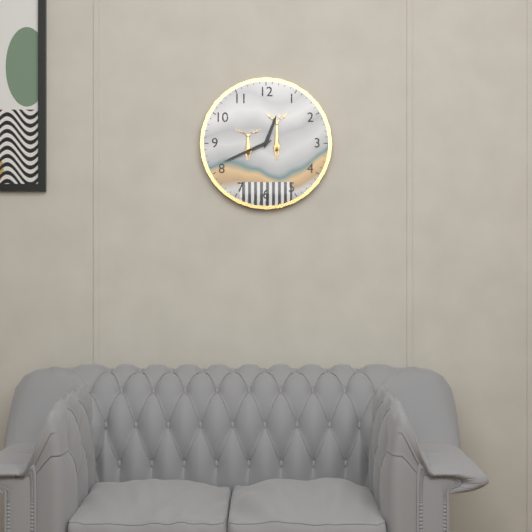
12:41
